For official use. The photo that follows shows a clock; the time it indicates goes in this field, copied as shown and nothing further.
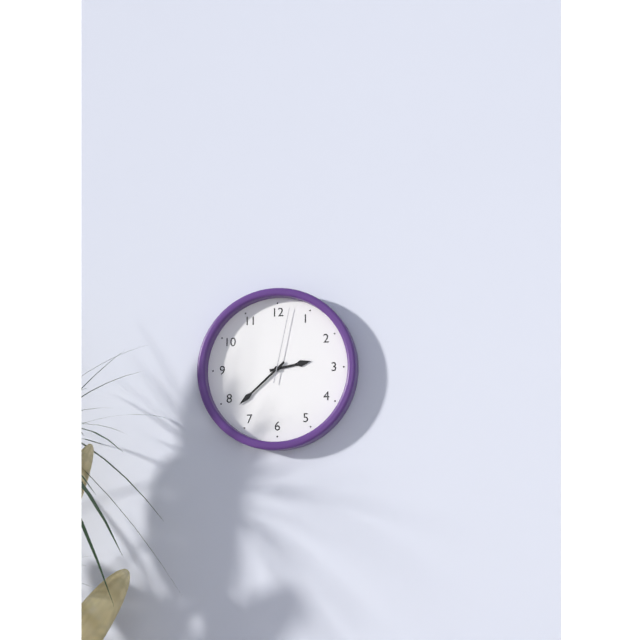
2:38:02
